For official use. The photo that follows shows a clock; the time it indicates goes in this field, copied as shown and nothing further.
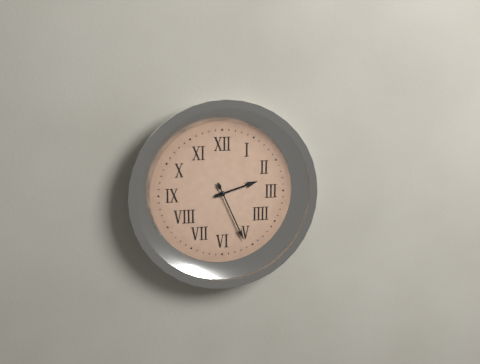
2:26
